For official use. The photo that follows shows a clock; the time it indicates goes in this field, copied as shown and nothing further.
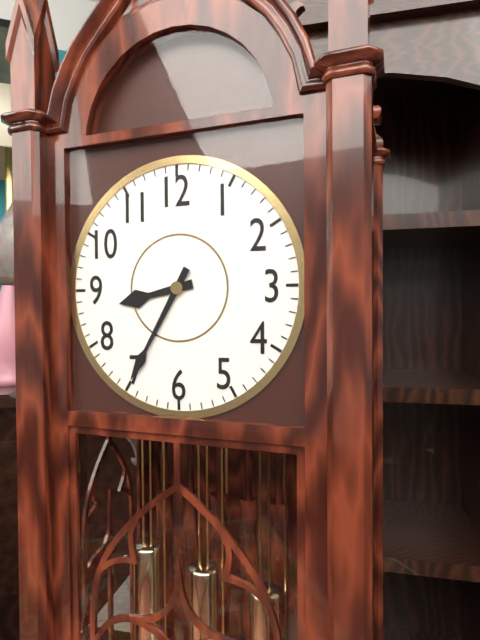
8:35
